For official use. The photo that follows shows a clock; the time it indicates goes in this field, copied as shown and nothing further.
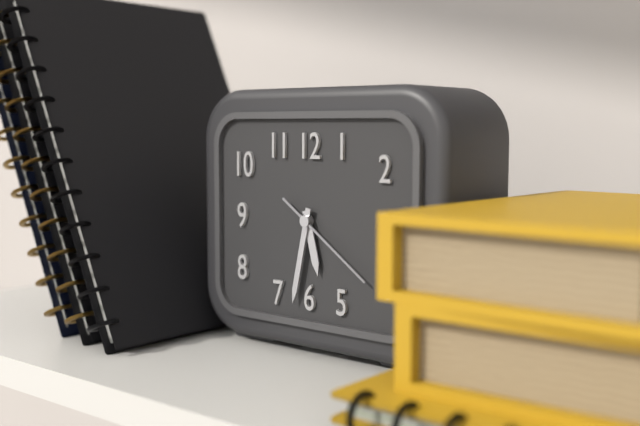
5:32:21
